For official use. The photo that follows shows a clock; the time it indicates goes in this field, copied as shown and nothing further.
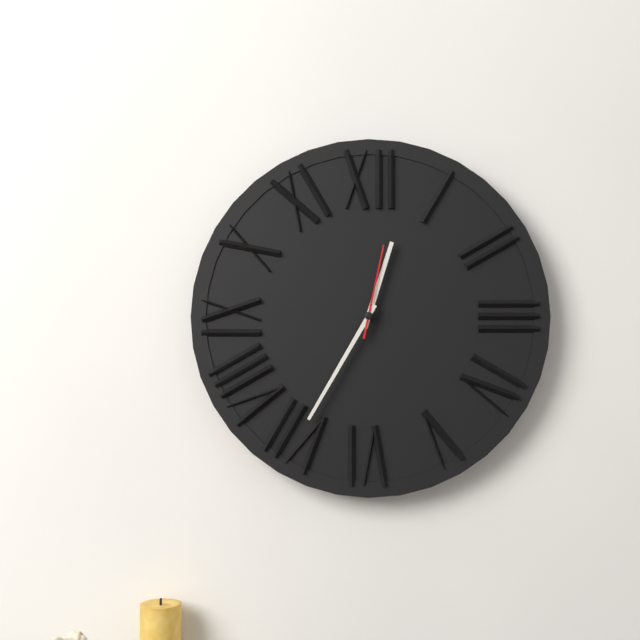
12:35:02
